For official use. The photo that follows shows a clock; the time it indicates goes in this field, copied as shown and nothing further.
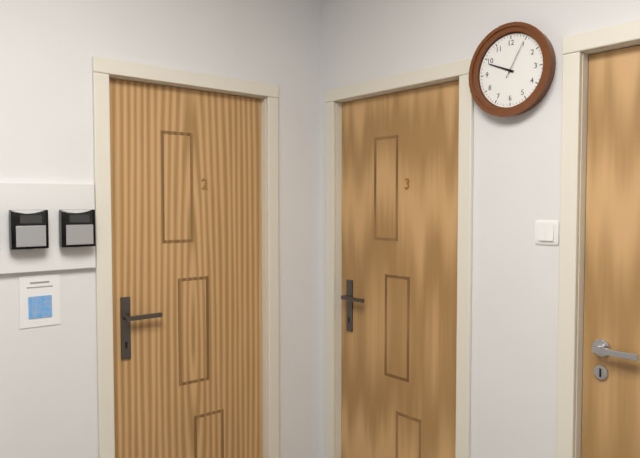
9:49
